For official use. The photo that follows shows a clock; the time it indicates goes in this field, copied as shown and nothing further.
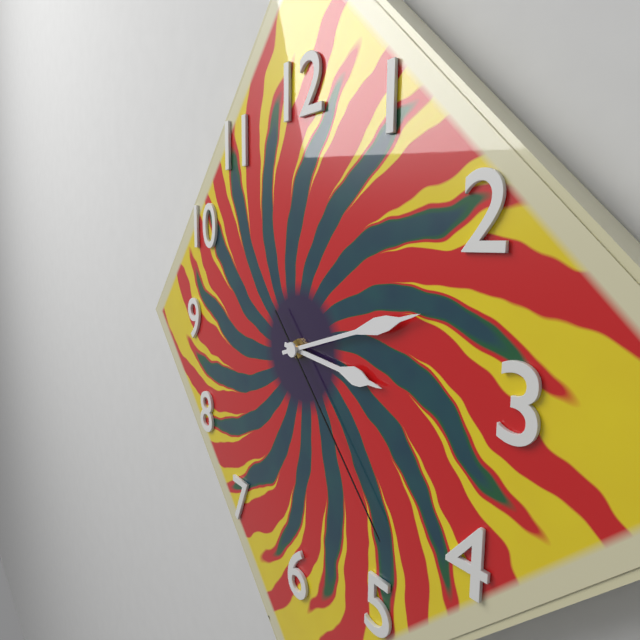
3:12:23
